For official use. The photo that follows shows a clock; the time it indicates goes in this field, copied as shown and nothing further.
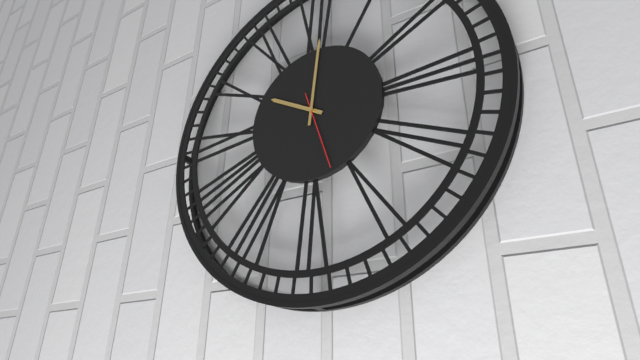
10:01:27
